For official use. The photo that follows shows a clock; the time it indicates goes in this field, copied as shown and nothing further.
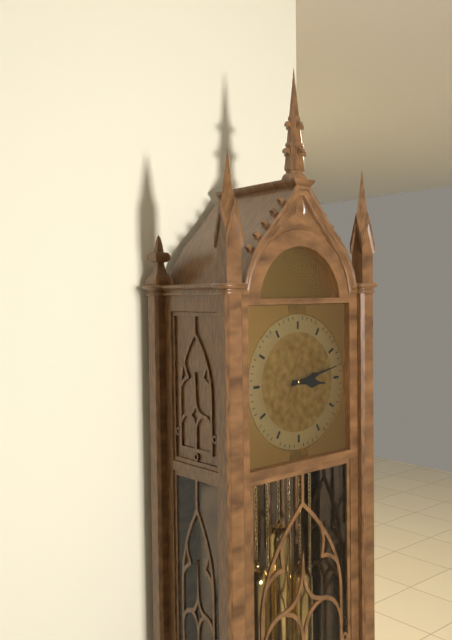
3:13
